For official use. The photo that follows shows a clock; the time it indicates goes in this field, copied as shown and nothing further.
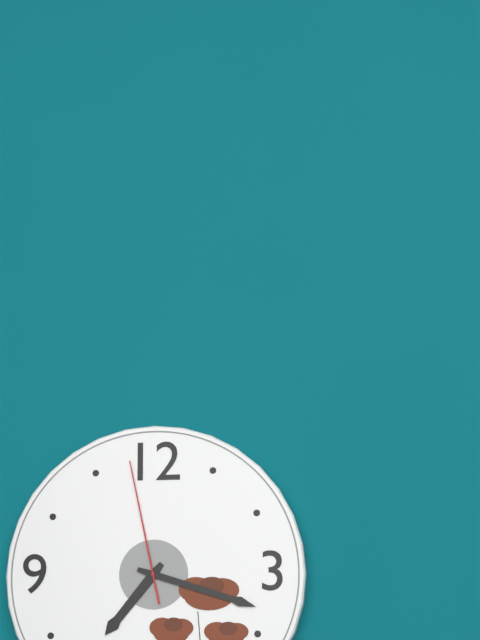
7:18:58
